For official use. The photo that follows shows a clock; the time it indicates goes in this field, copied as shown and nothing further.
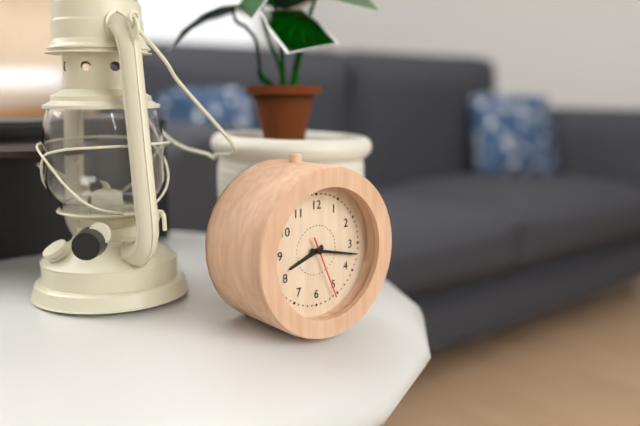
8:17:26
